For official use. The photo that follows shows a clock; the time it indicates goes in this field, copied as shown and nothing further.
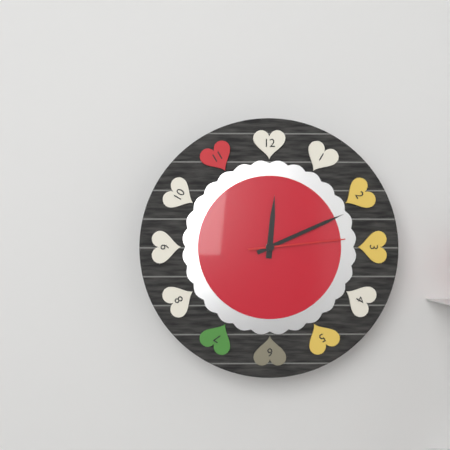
12:11:14
